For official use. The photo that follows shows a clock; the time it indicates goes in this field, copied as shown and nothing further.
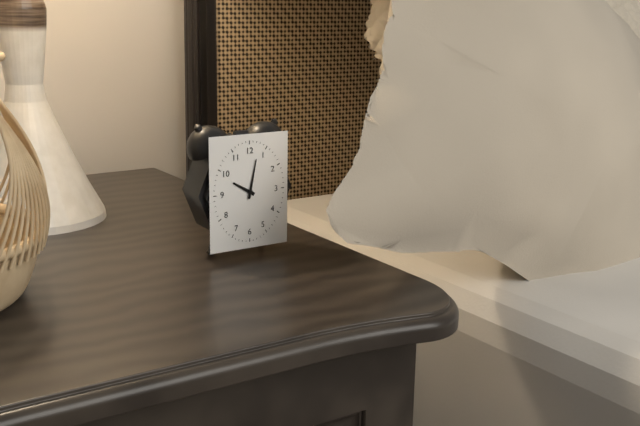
10:02
